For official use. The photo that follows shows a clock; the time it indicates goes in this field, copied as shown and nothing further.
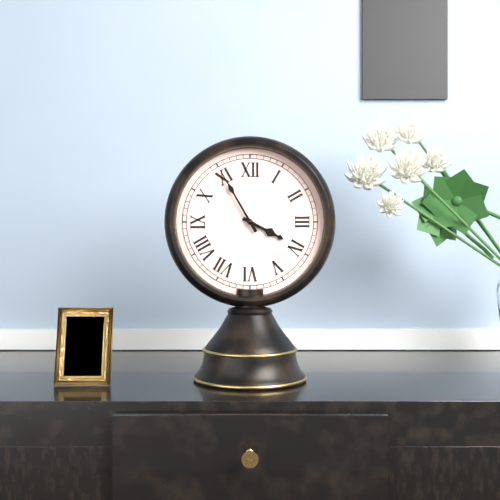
3:55
